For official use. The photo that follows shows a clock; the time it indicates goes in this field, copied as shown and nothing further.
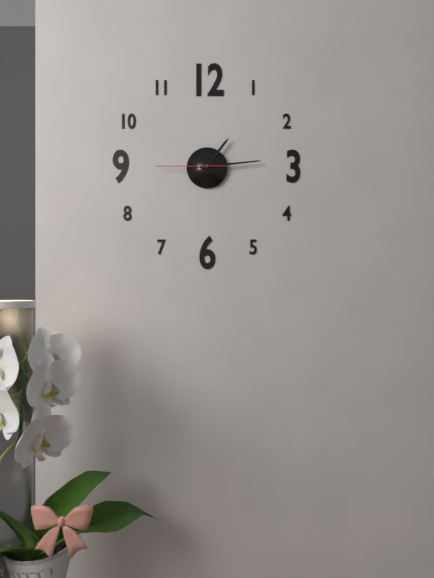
1:14:45
